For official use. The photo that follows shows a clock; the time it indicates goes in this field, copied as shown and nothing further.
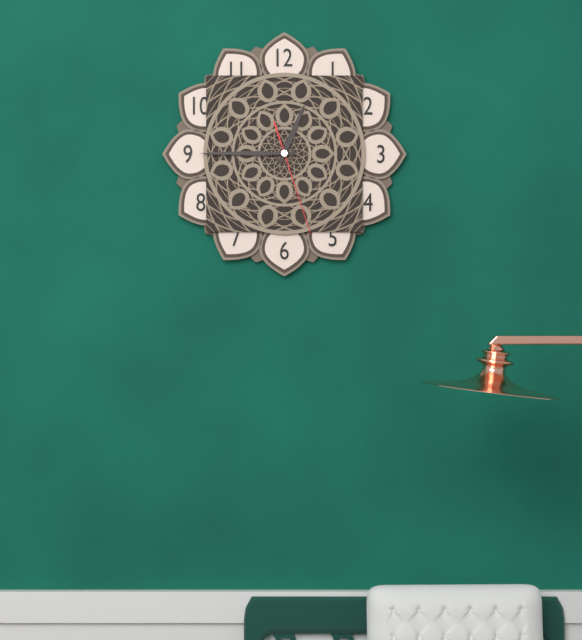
12:45:27
